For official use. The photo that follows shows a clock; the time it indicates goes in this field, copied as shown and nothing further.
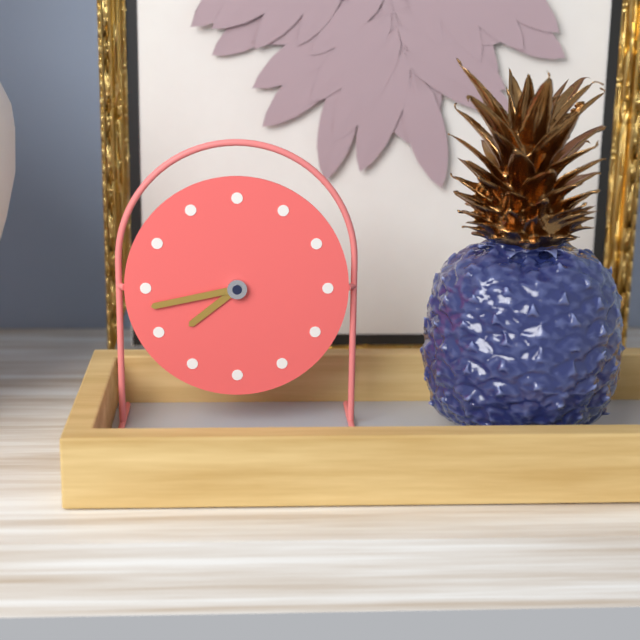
7:43
